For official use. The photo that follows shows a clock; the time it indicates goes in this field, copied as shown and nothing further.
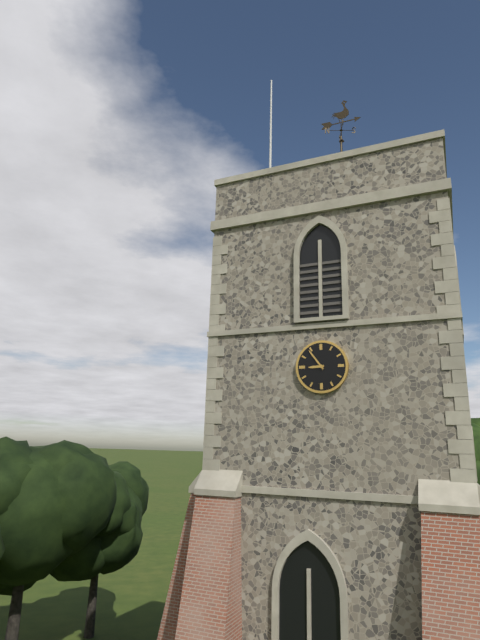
8:54
